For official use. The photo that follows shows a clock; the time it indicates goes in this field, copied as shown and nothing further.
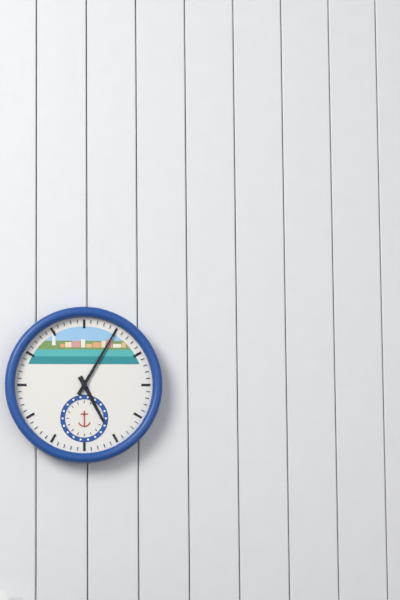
5:05
